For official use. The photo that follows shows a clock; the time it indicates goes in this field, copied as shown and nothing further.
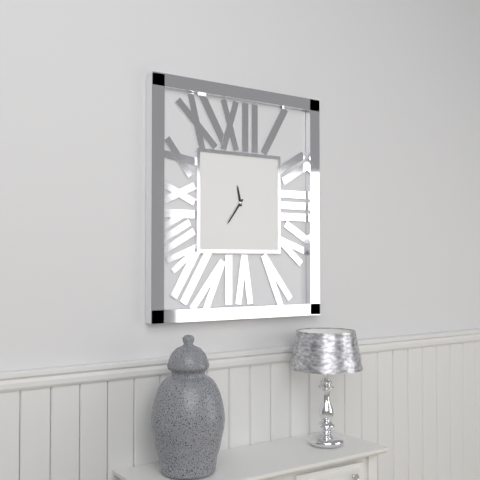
11:36
